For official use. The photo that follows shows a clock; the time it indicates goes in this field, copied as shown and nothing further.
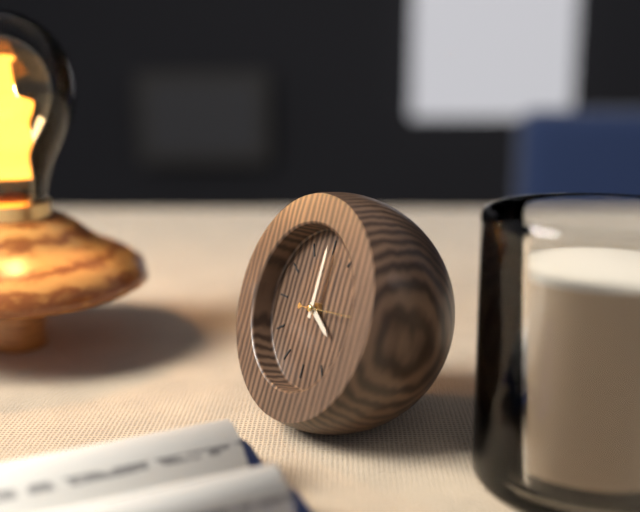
4:00
